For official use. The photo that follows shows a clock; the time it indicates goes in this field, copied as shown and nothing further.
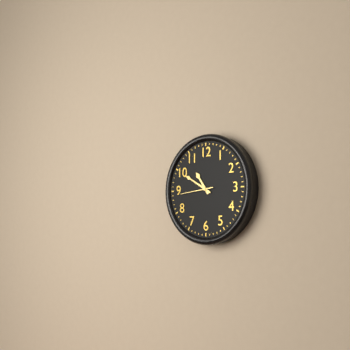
10:50
